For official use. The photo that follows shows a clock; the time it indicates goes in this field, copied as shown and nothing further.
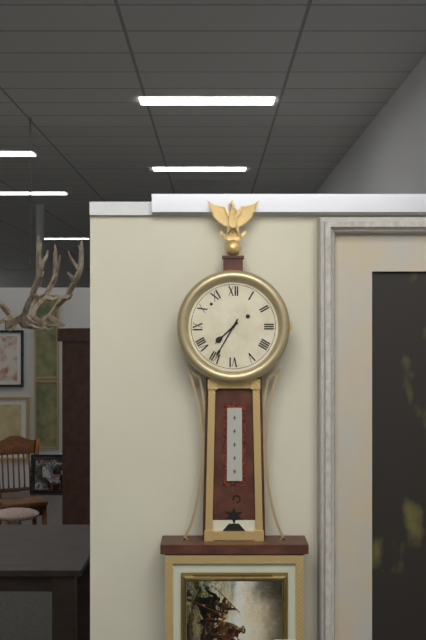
7:35
